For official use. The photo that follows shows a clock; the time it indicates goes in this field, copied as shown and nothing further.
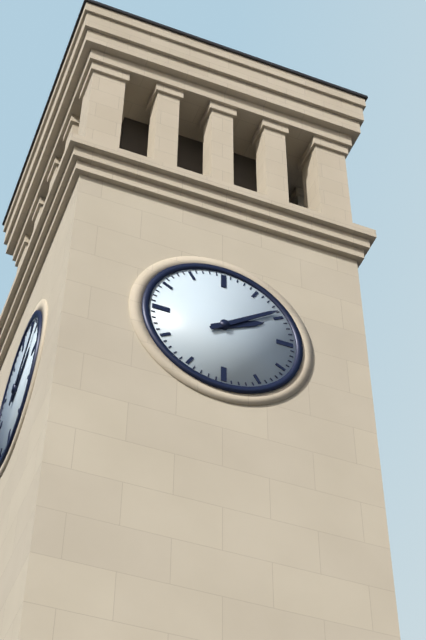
2:09
